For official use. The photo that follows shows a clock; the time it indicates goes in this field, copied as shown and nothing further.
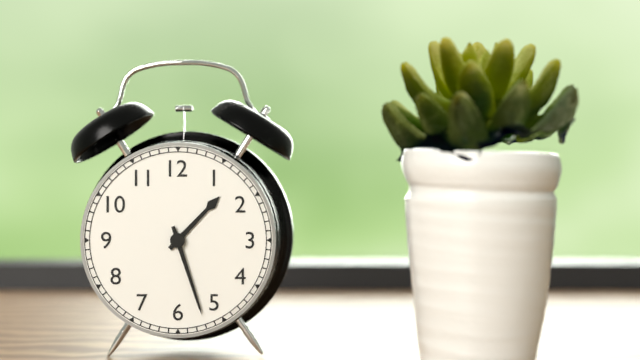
1:27
